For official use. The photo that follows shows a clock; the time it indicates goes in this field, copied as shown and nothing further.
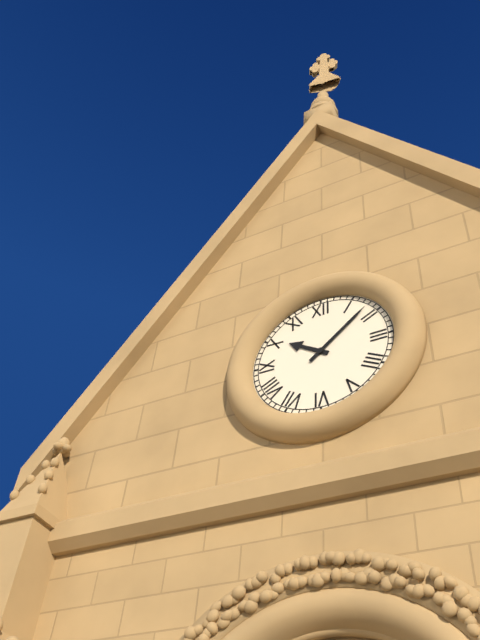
10:08
